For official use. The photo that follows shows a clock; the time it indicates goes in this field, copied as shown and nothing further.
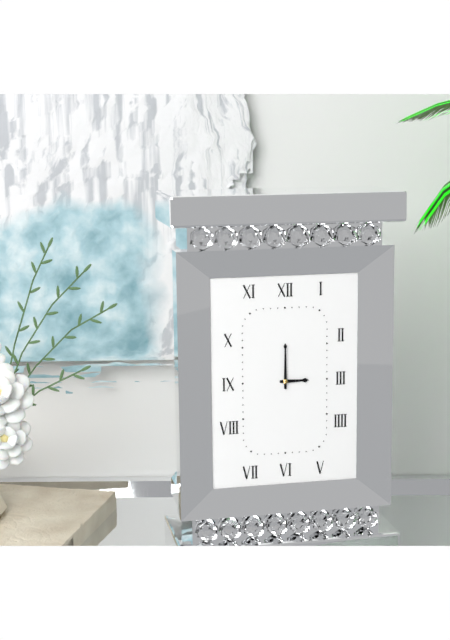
3:00
